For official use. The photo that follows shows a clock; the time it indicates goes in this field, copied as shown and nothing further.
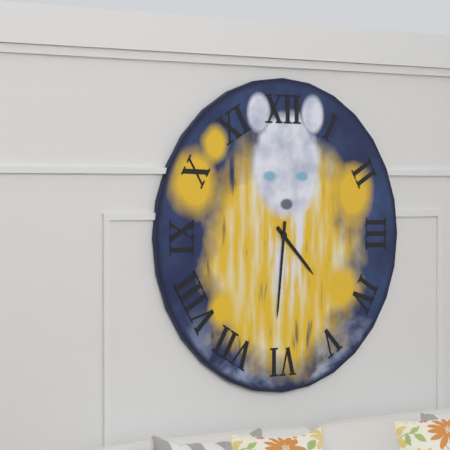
4:31
